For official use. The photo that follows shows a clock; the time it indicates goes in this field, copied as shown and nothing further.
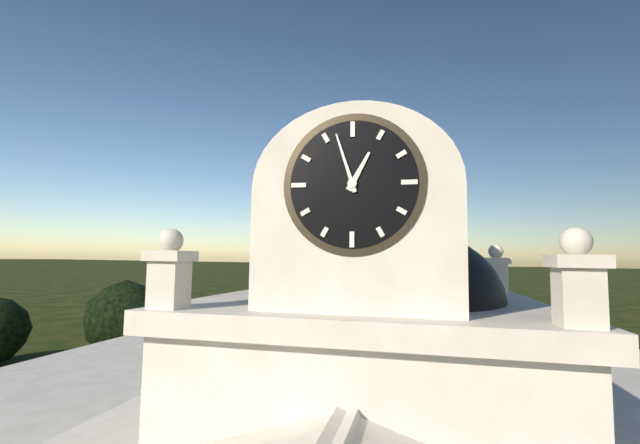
12:57
